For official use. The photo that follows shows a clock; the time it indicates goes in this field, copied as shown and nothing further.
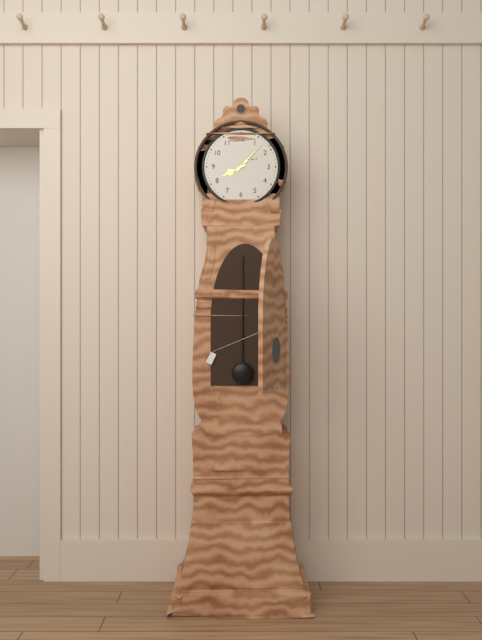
8:07
